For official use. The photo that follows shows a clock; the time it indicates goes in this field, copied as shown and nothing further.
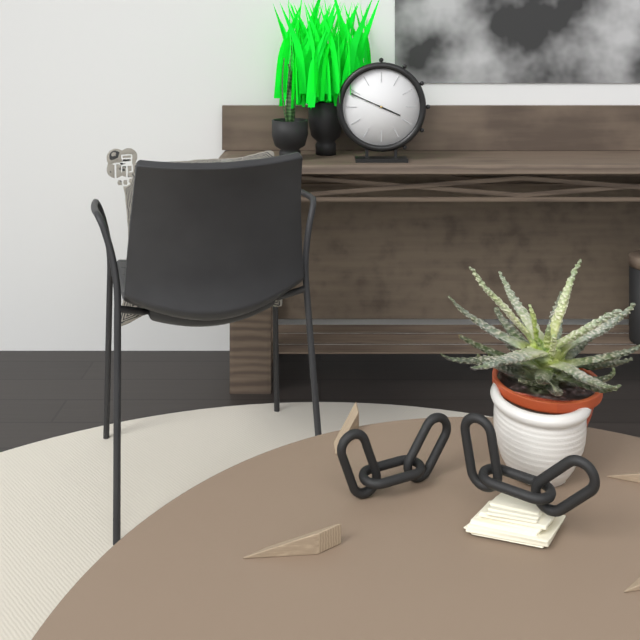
3:49
